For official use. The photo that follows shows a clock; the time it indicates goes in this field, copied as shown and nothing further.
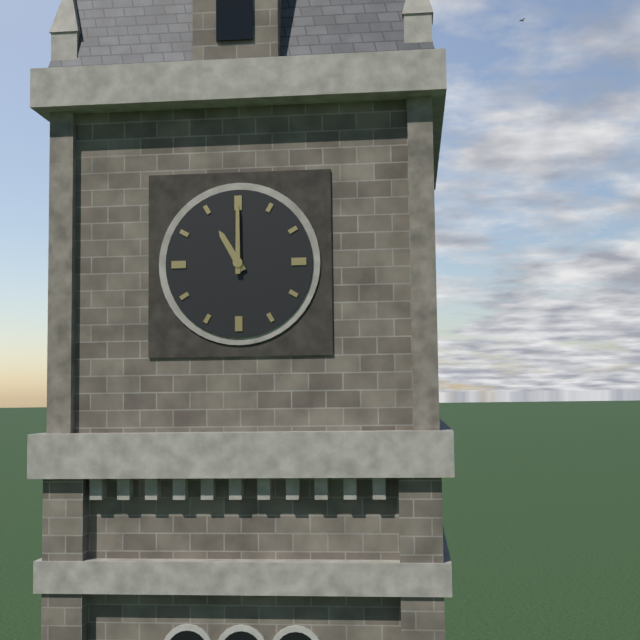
11:00
